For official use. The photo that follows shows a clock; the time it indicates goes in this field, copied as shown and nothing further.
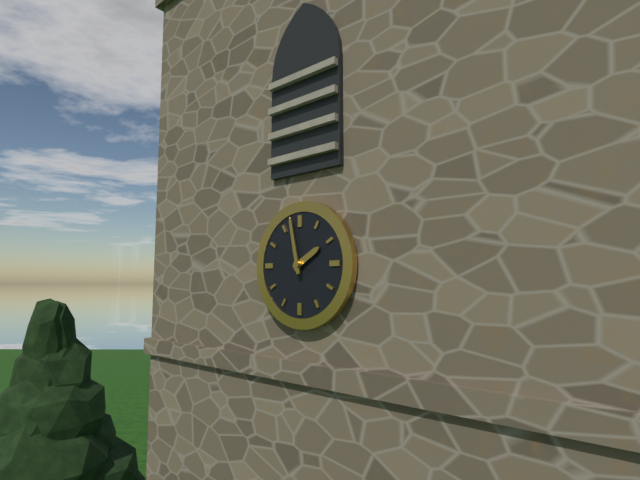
1:58
